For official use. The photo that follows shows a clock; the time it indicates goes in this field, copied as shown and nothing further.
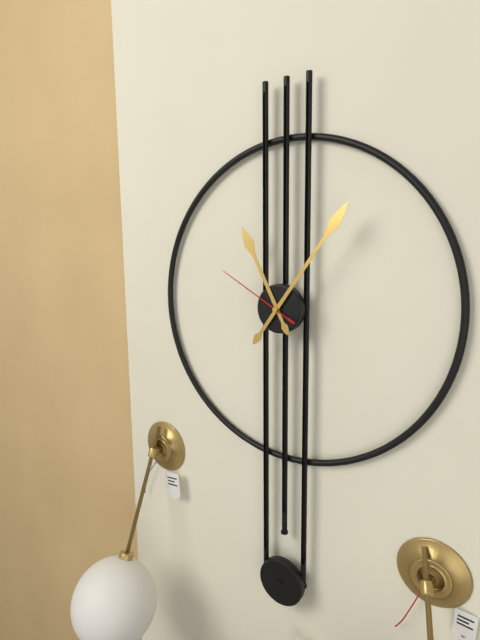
11:06:50
